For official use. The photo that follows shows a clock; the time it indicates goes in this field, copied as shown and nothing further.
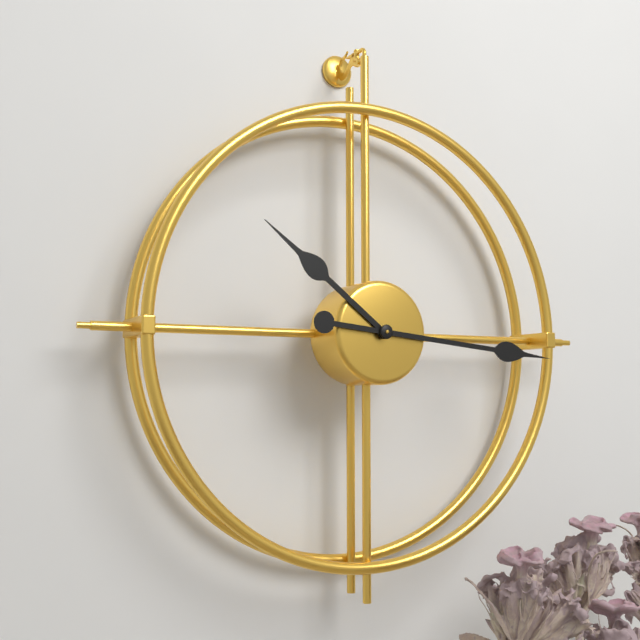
10:16
